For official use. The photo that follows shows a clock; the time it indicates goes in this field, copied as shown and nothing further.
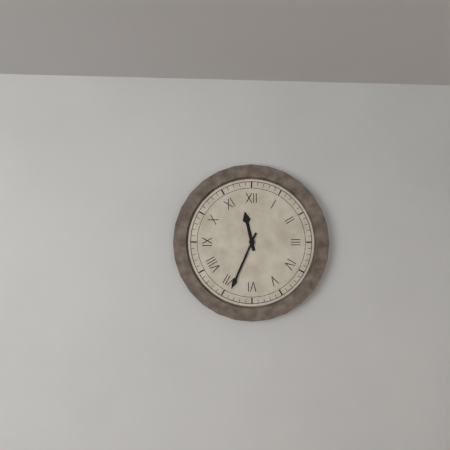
11:34
